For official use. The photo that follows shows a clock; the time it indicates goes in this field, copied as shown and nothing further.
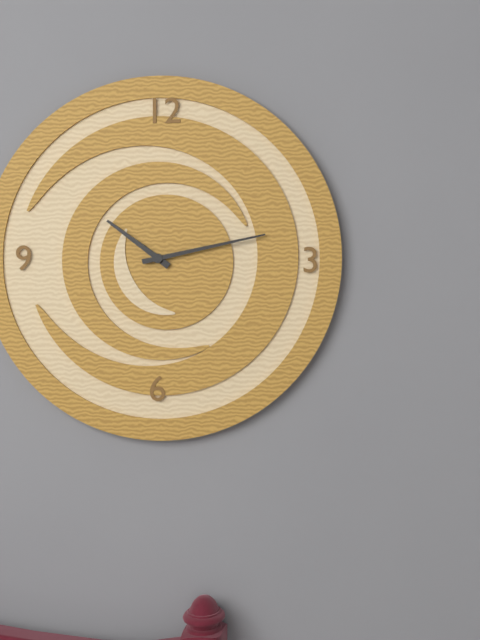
10:13
